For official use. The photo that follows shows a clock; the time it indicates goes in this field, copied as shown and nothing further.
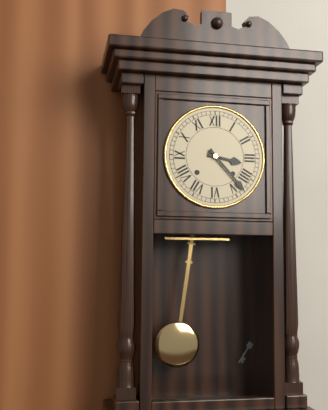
3:23
